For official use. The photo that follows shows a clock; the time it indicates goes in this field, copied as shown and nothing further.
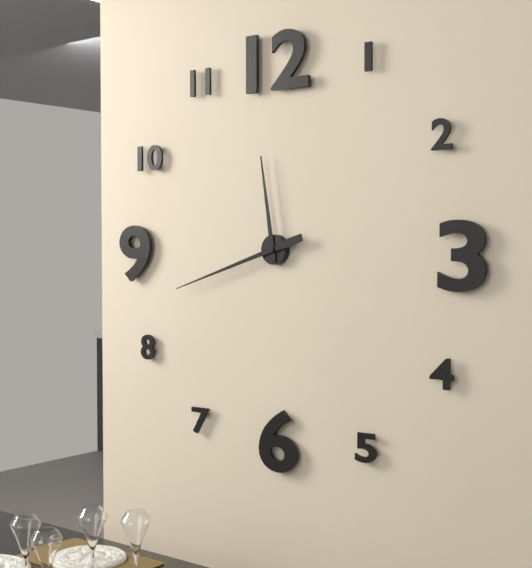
11:42
